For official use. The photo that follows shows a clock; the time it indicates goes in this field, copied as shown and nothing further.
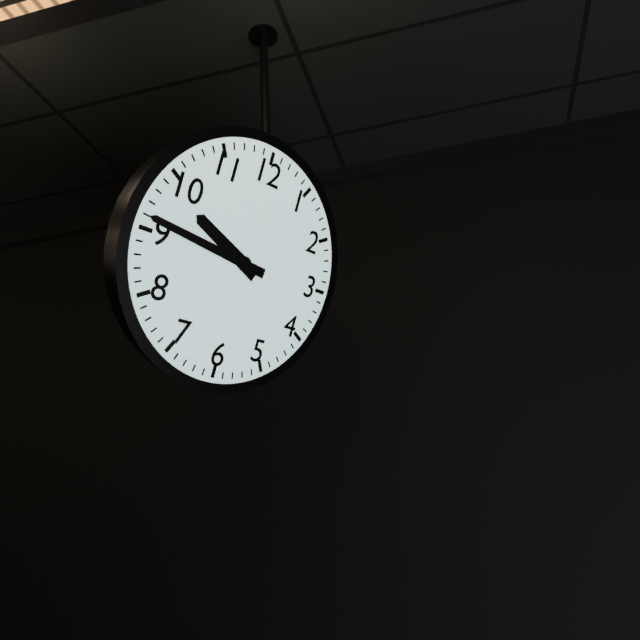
9:46
